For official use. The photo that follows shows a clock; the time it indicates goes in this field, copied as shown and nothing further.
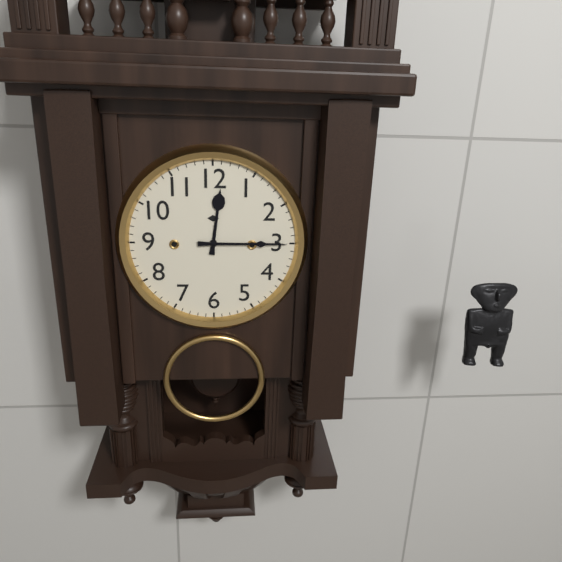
12:15
